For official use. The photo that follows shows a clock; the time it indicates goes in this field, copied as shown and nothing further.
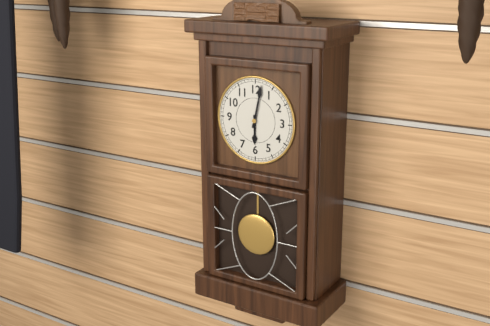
6:02
